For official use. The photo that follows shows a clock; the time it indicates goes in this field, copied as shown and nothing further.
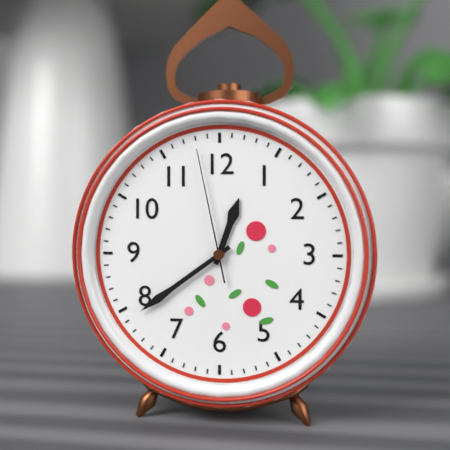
12:39:58
